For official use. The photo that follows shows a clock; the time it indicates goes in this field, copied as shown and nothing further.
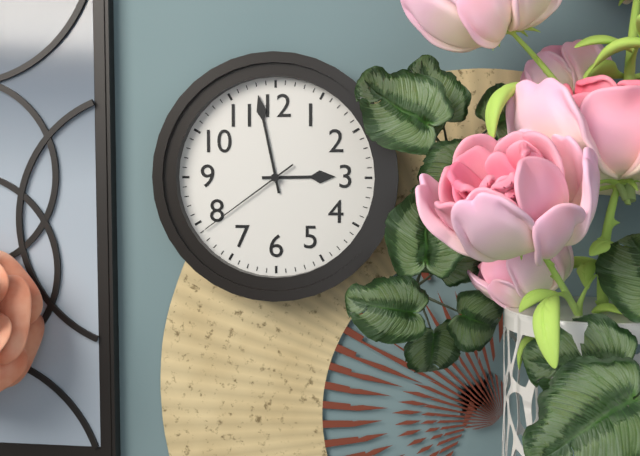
2:58:39
